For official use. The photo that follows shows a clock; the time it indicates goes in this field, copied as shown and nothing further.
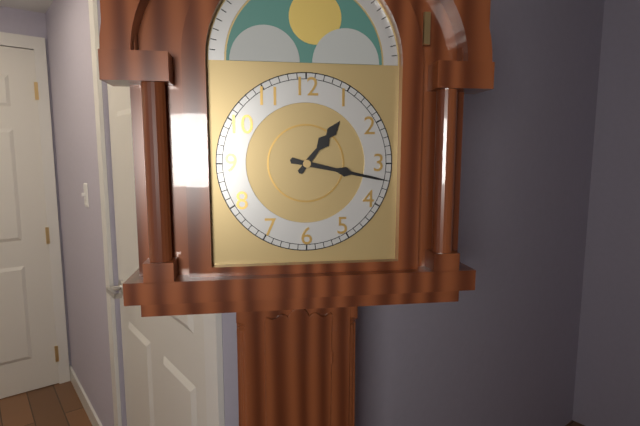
1:17
